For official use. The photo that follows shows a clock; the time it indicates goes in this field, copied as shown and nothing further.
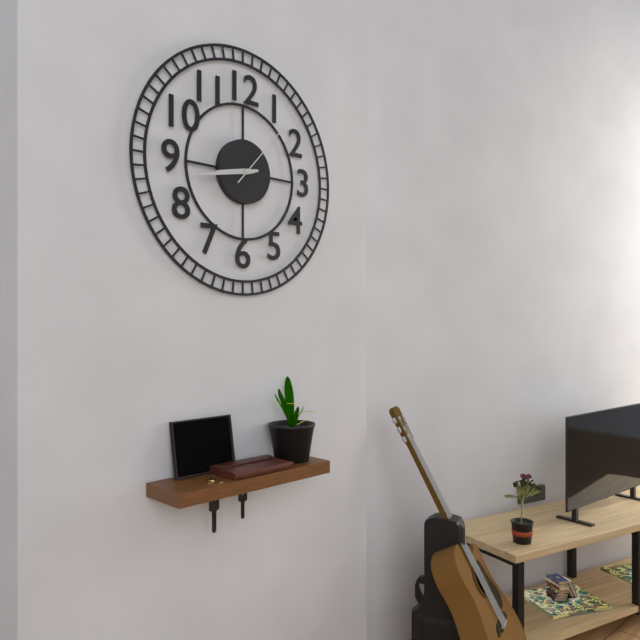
8:43:07
